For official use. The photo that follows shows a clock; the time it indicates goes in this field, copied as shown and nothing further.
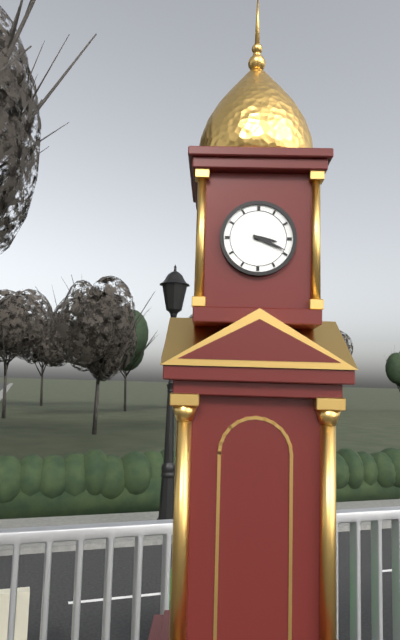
3:19
